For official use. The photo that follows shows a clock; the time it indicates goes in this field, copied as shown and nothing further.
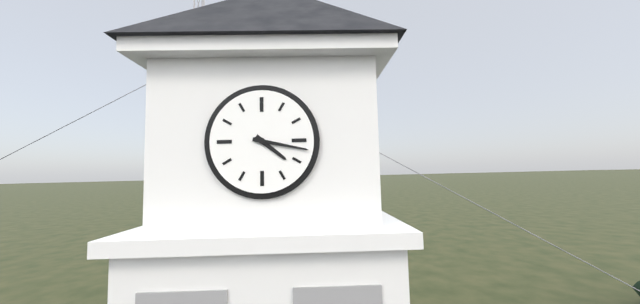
4:17
